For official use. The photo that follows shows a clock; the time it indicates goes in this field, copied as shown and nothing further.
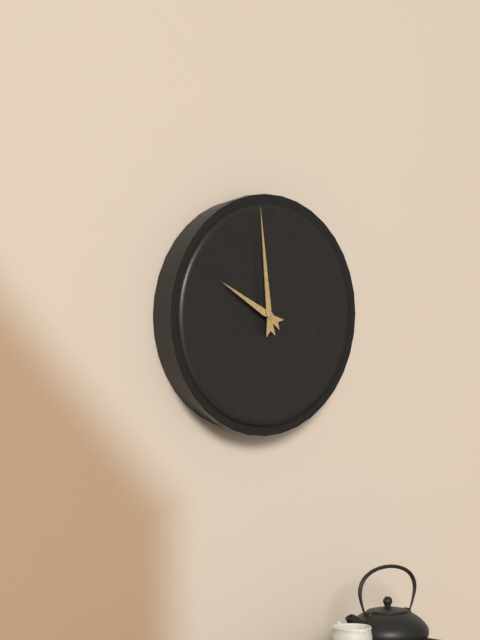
9:59
